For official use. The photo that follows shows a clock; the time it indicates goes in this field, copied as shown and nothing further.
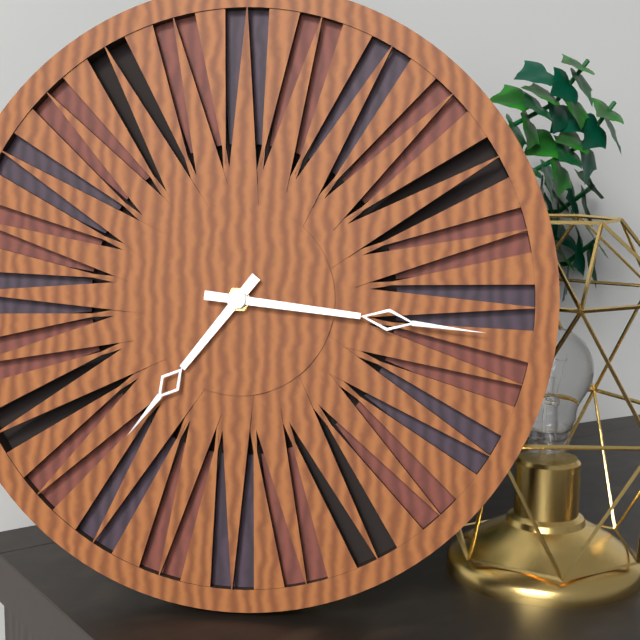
7:16
